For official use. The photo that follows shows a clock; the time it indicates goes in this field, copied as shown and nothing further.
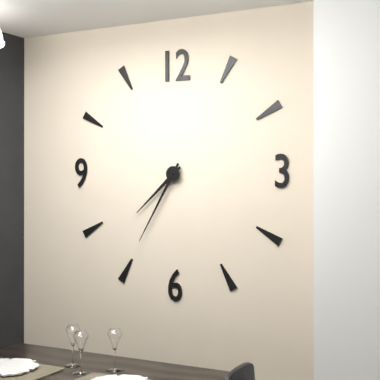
7:35
